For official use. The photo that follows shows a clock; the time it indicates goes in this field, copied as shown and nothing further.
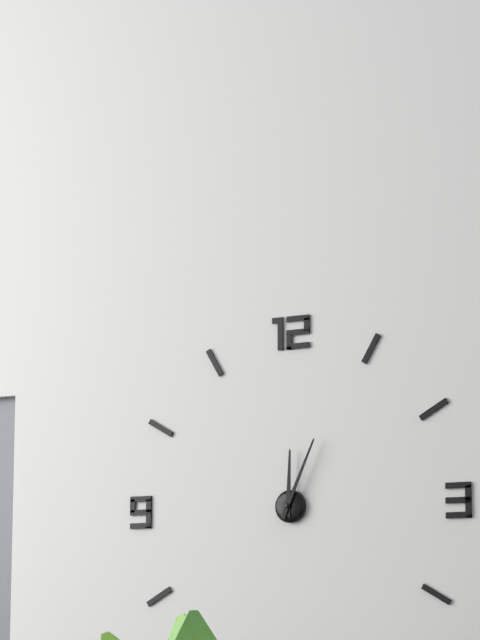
12:04
